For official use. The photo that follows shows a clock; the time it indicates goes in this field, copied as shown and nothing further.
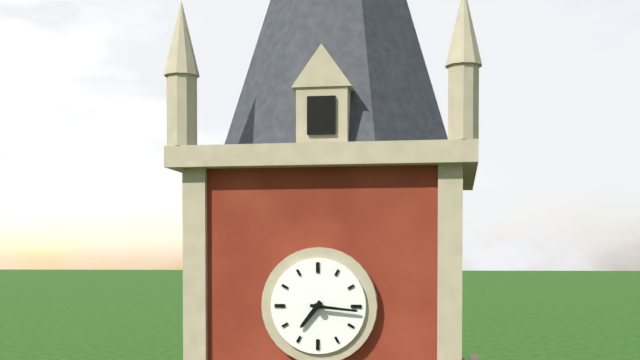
7:16
